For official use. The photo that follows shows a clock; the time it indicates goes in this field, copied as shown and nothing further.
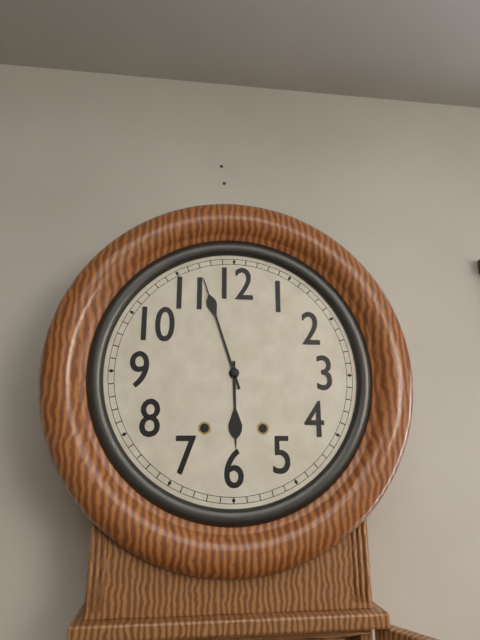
5:57
